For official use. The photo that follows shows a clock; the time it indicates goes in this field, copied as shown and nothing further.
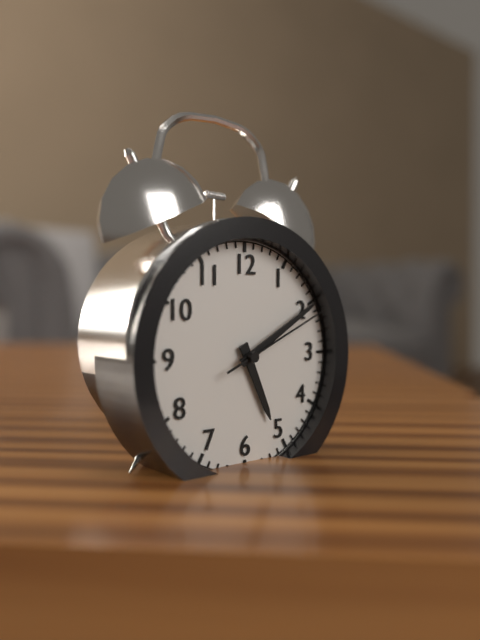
5:10:11
